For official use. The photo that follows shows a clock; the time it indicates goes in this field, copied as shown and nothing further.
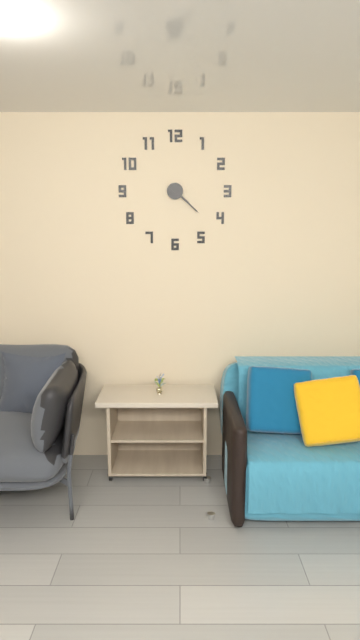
4:22
